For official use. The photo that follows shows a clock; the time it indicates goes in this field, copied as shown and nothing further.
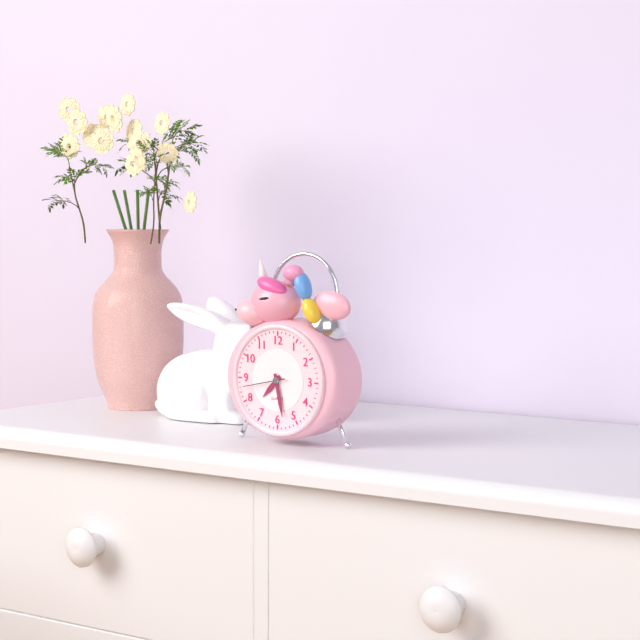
7:28
